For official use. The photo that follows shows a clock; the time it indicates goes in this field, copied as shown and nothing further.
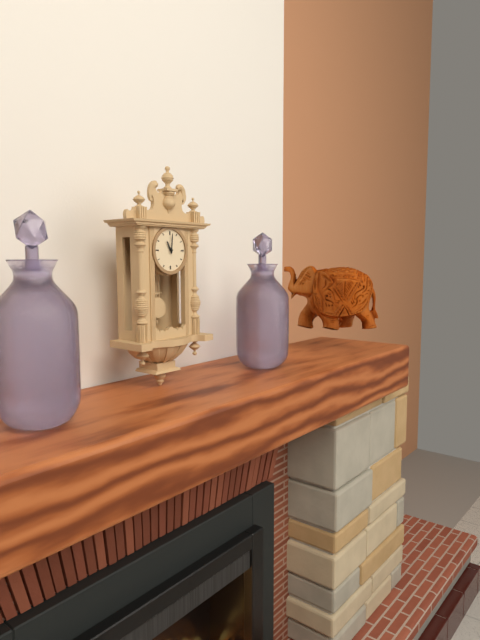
11:01
